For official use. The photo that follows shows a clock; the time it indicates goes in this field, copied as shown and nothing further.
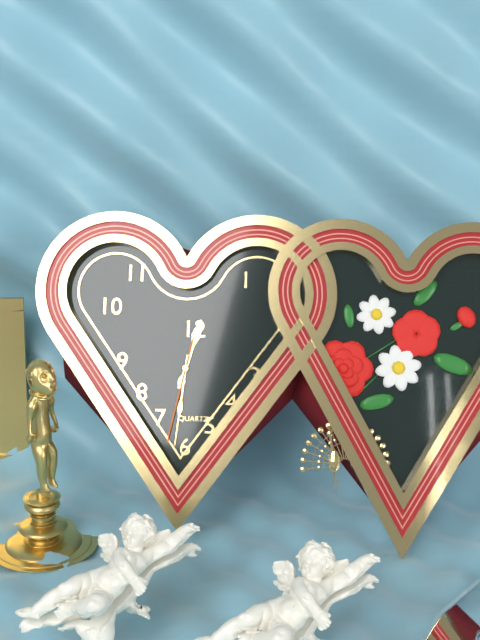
12:31:32
